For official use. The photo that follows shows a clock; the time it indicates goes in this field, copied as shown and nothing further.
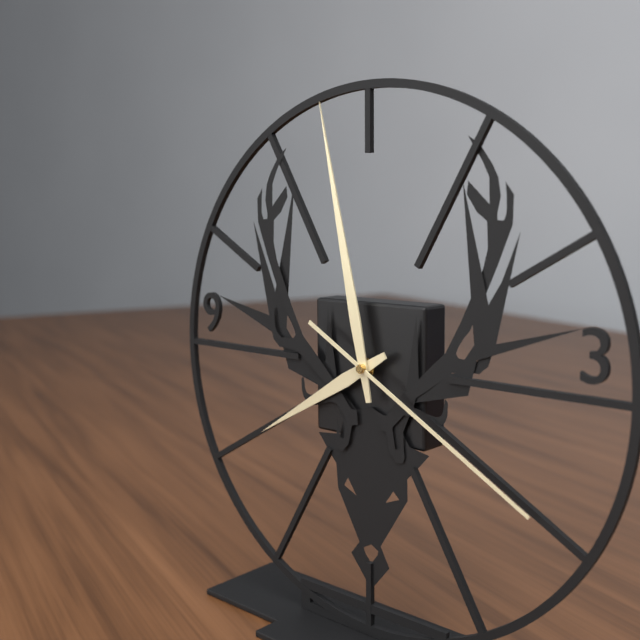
7:58:20
